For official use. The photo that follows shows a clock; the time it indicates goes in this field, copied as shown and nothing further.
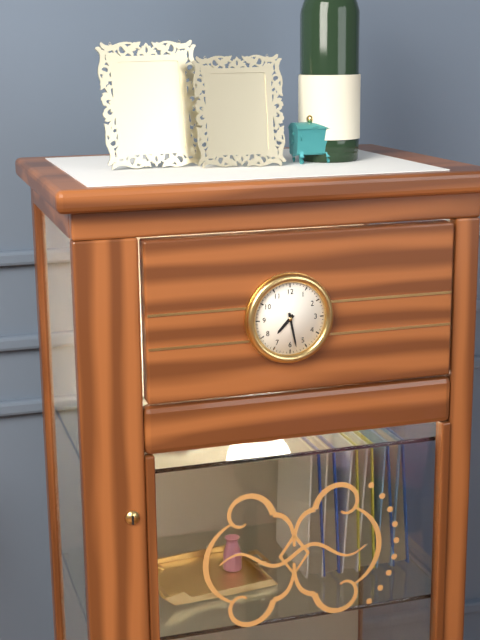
7:28
